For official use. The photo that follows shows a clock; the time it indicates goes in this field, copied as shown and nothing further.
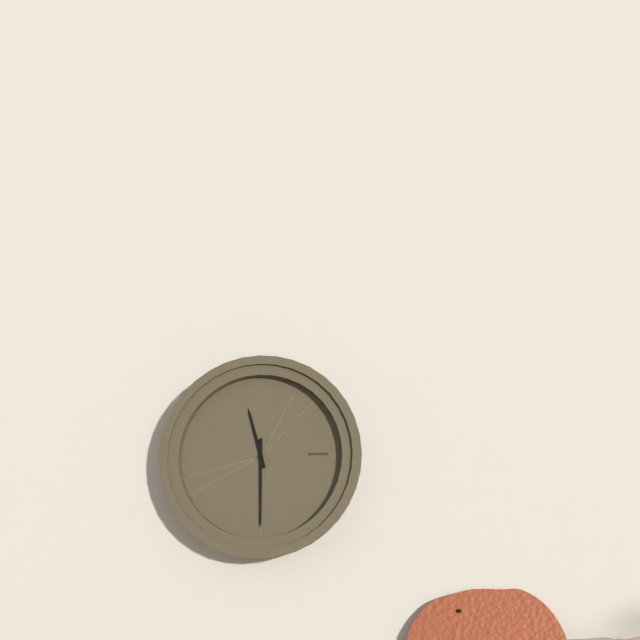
11:30
